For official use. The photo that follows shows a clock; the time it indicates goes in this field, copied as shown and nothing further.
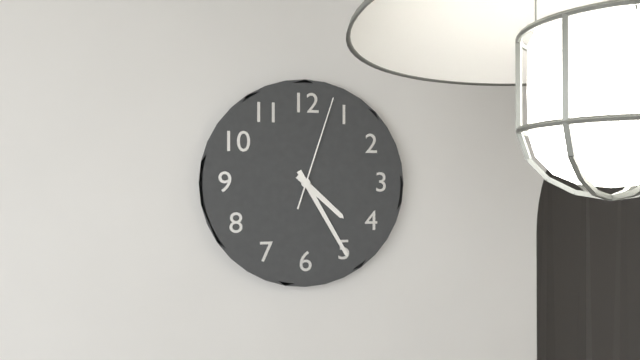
4:25:03
